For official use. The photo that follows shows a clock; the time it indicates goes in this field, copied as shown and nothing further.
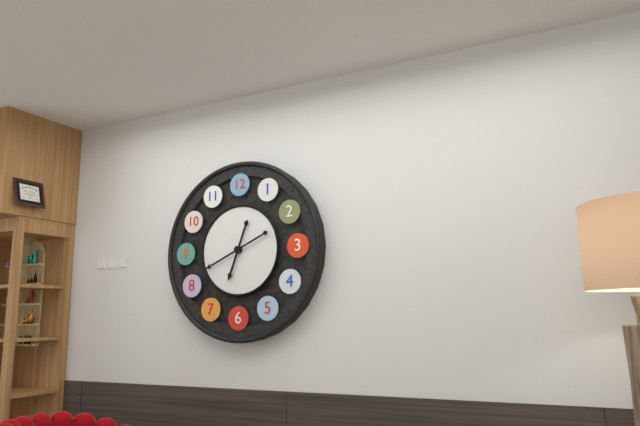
6:41
